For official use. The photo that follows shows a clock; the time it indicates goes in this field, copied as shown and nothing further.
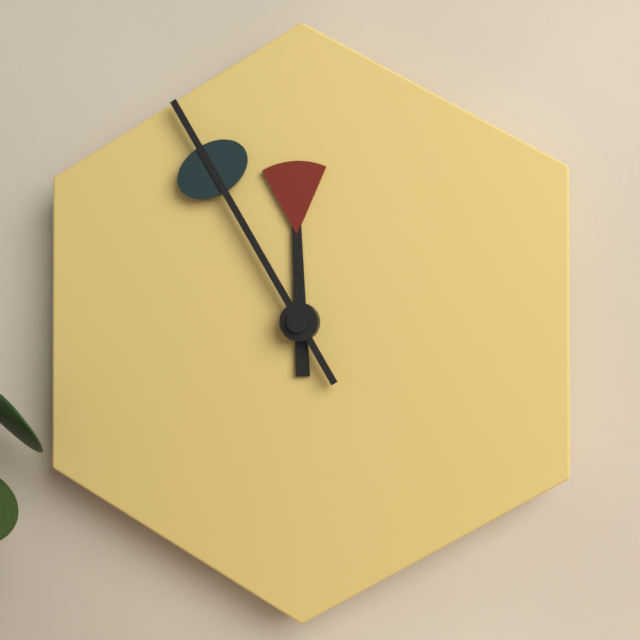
11:55
